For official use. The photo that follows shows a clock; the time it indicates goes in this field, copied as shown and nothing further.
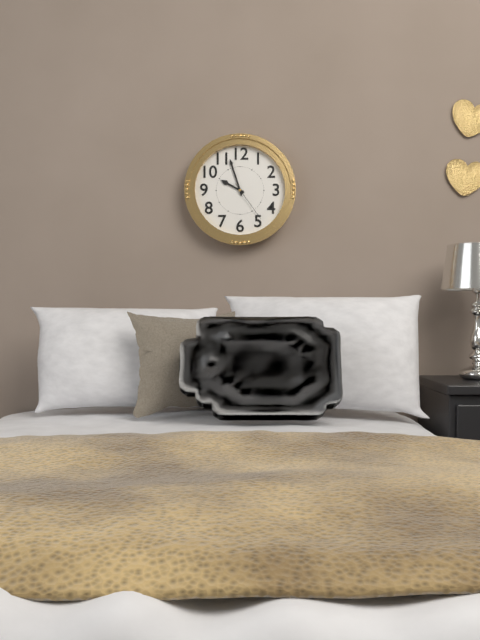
9:57
